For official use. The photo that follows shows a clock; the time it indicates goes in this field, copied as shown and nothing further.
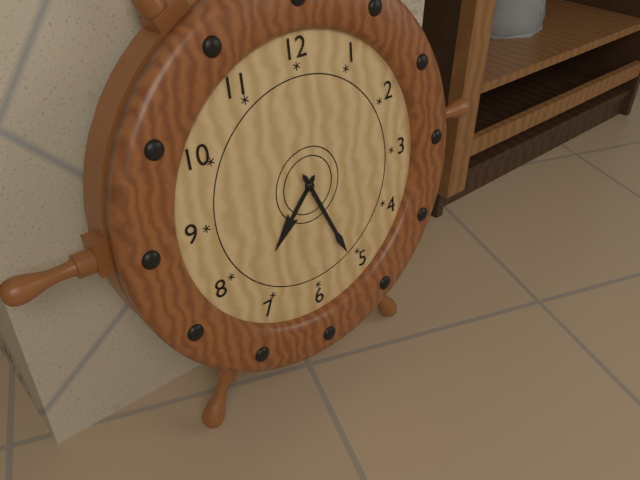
7:26
